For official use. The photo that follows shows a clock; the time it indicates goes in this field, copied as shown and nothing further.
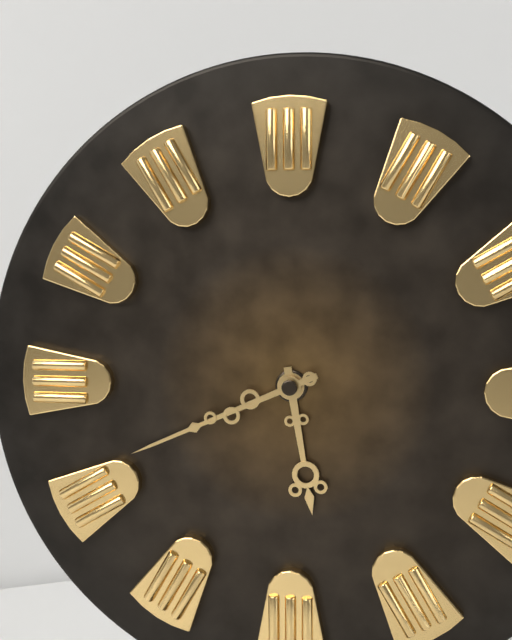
5:41
